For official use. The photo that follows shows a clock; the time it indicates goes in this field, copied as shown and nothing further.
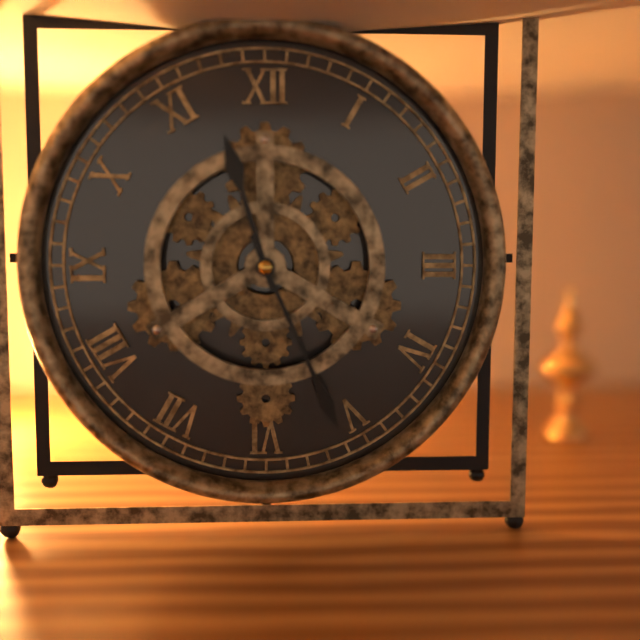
11:26
